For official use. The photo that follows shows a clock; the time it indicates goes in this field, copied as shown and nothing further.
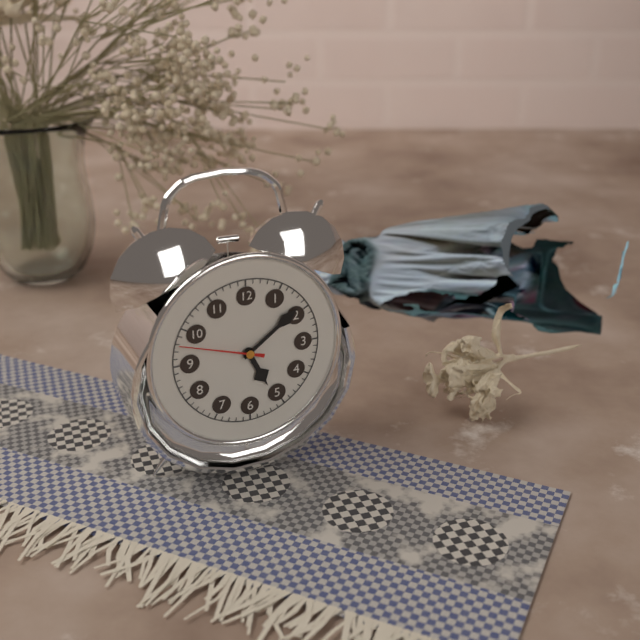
5:09:48
